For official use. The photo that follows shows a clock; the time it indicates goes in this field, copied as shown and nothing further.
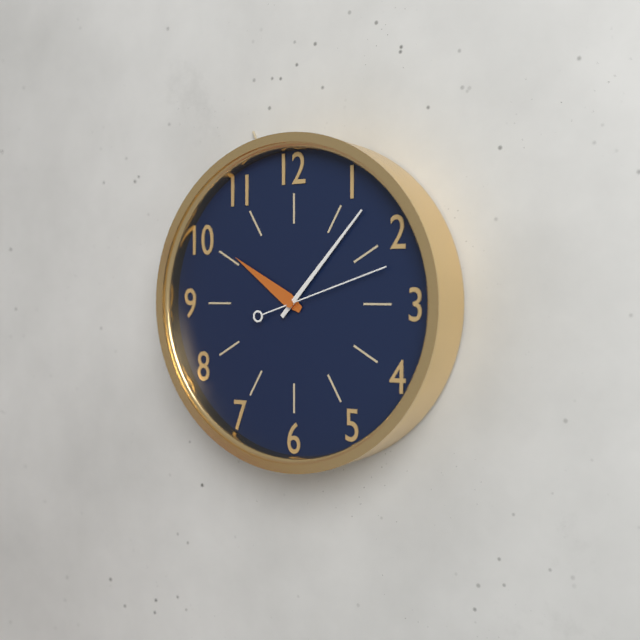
10:07:12
